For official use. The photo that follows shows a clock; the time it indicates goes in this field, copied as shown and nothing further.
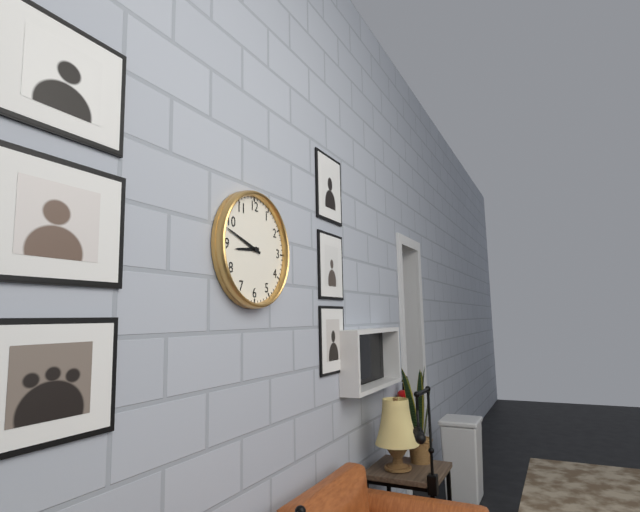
8:48
